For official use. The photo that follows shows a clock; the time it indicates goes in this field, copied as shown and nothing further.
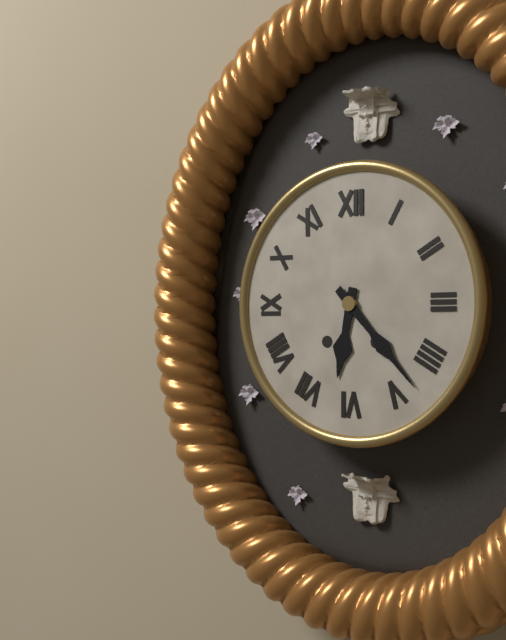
6:23
